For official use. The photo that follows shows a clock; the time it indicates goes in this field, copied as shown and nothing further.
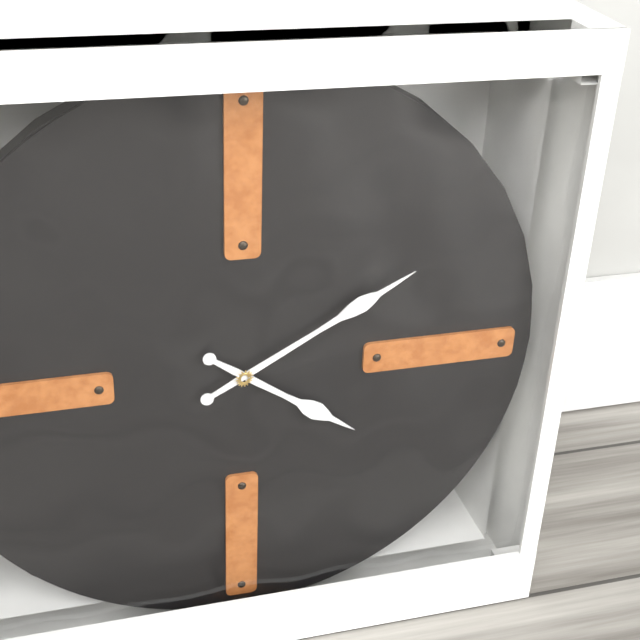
4:10
